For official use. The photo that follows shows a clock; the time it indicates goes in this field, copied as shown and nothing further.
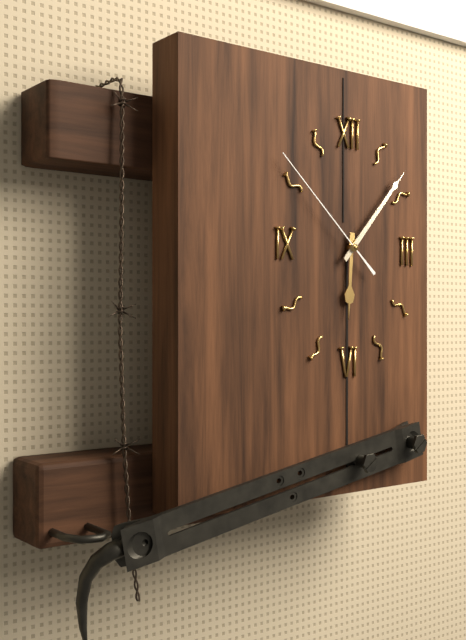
6:07:52
